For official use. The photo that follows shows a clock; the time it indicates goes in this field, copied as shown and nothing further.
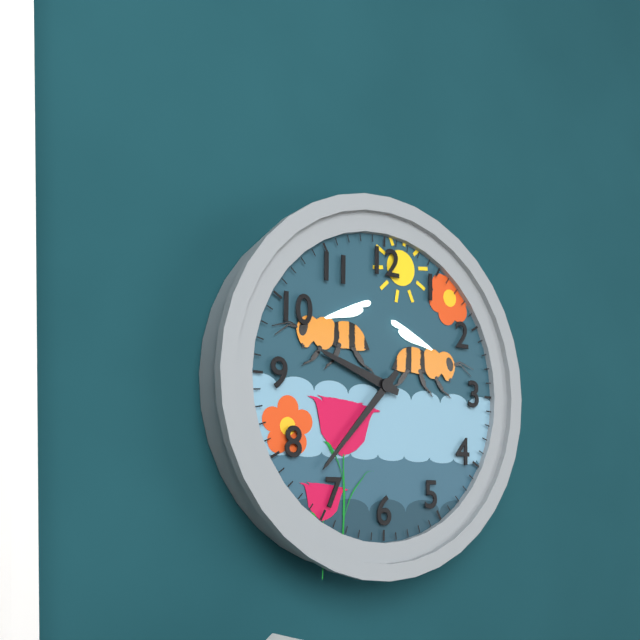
9:37
